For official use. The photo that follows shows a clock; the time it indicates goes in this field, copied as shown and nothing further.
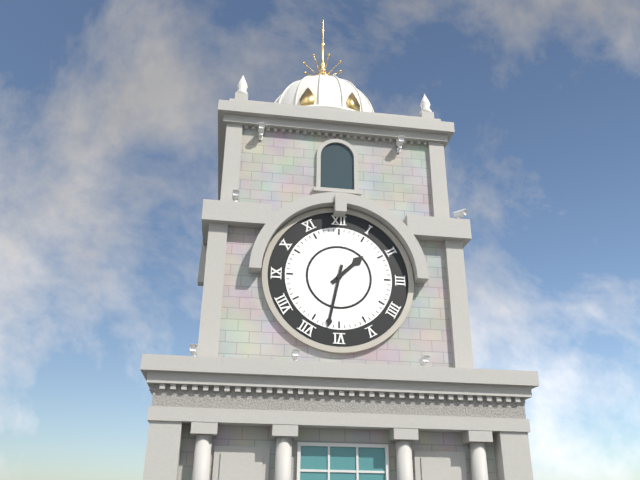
1:32
